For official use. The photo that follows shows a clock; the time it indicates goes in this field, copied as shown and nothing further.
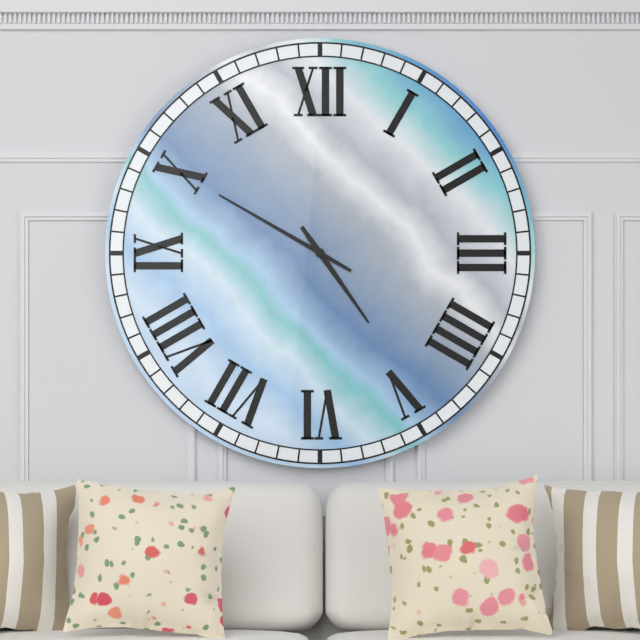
4:50
